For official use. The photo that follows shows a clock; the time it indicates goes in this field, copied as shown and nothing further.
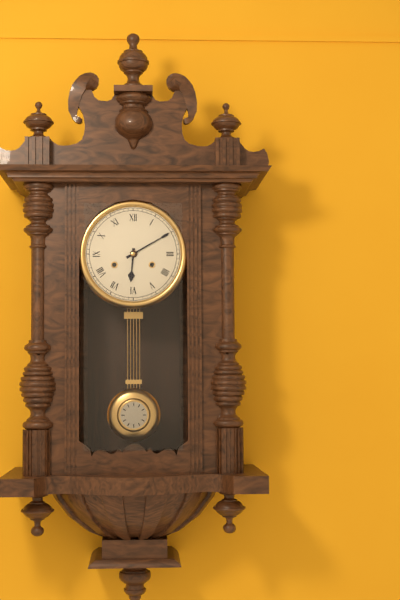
6:10
